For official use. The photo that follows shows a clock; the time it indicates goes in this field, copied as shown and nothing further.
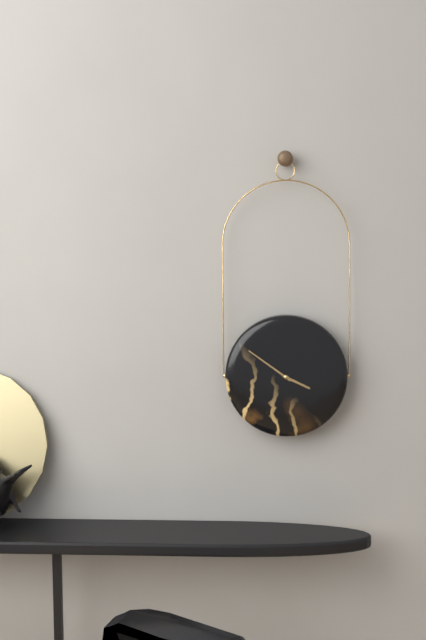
3:51
